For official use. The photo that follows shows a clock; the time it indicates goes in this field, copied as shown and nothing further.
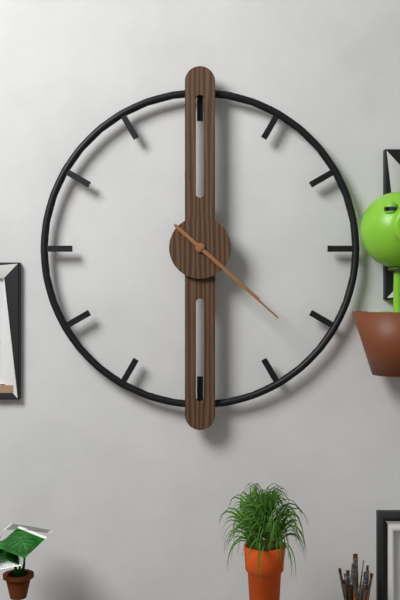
4:22
